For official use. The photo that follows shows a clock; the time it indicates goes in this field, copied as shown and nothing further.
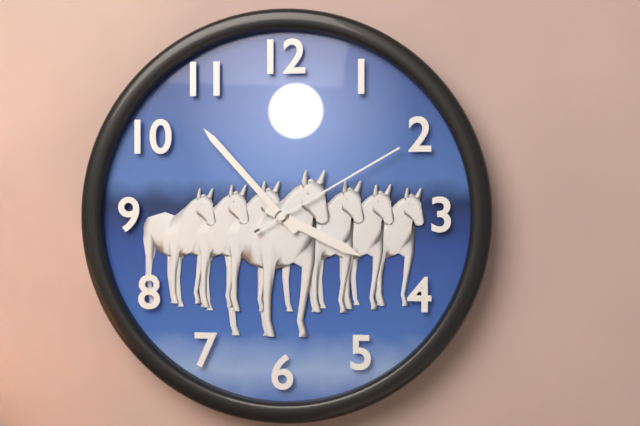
3:53:10
